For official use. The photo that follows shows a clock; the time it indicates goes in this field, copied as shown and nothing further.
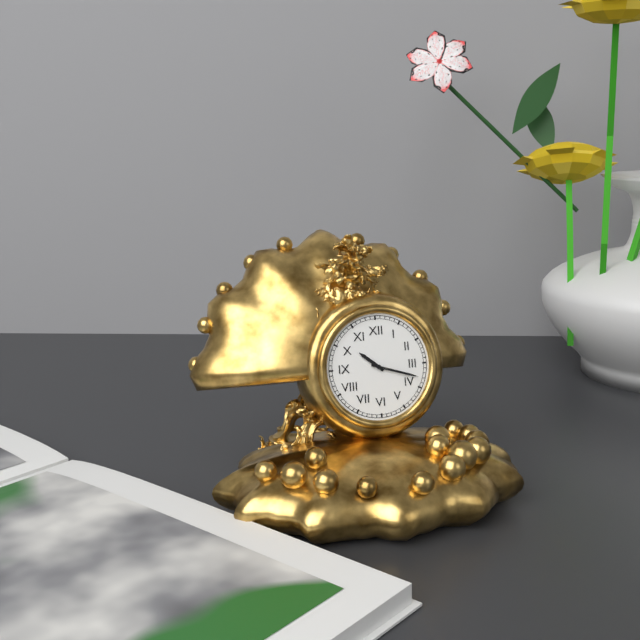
10:18
